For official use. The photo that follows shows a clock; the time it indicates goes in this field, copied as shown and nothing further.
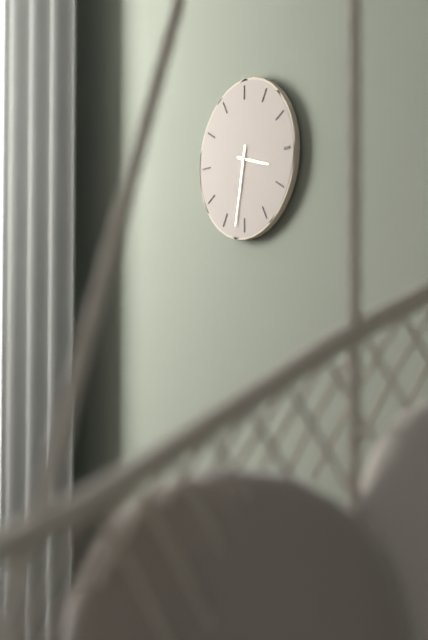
3:32
